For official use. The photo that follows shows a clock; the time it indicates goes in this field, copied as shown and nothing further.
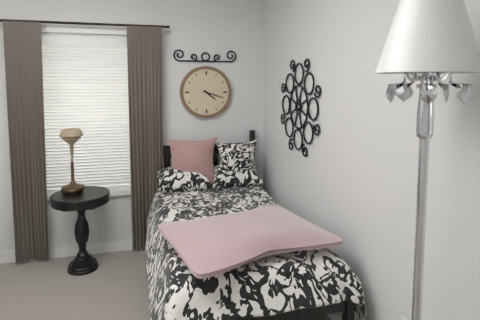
4:18
